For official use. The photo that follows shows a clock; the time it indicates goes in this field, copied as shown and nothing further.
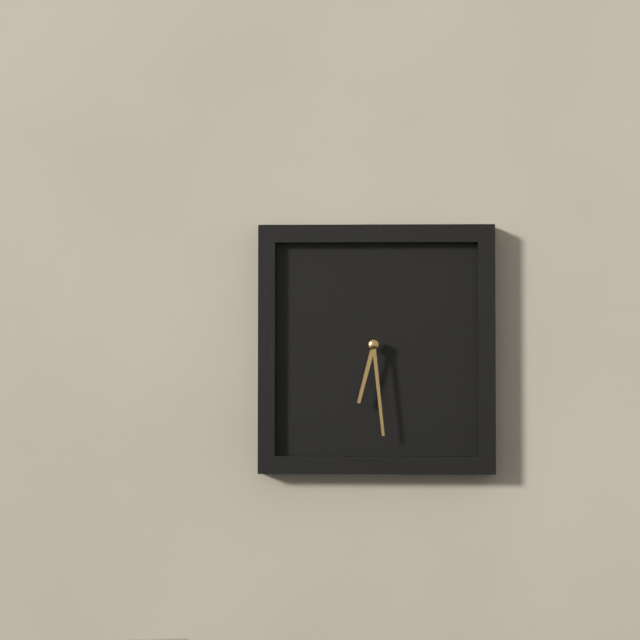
6:29
